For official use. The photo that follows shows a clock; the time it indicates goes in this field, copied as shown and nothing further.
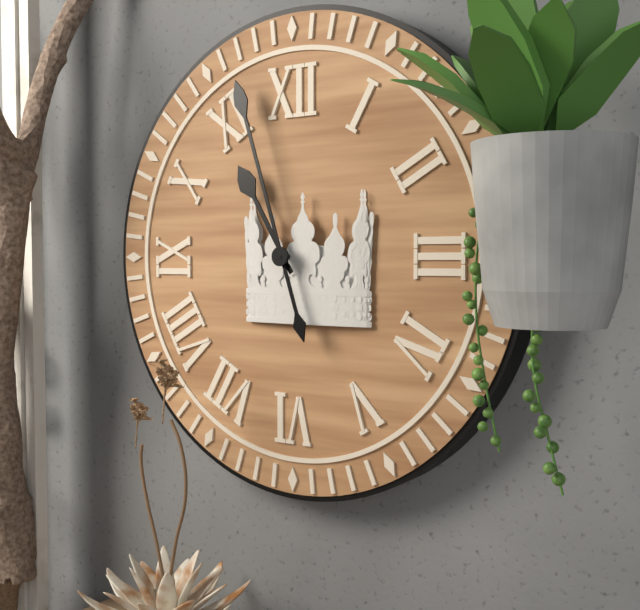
10:57
